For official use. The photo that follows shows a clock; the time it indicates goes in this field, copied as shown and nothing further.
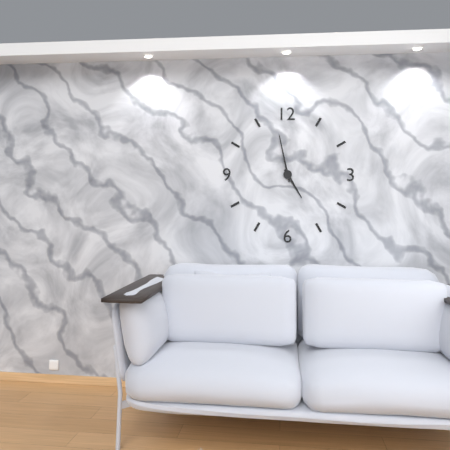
4:58
